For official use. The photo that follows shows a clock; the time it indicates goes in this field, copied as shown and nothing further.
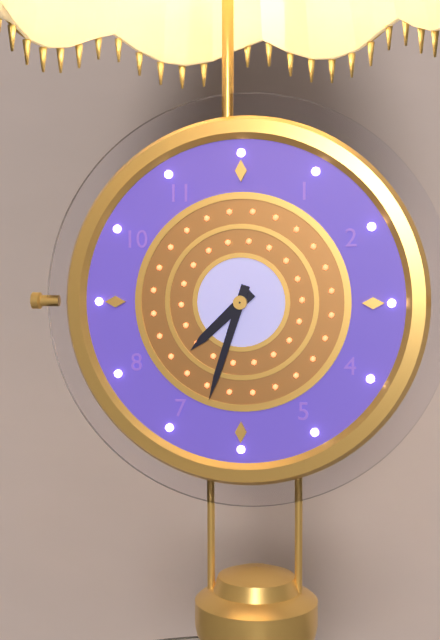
7:33
